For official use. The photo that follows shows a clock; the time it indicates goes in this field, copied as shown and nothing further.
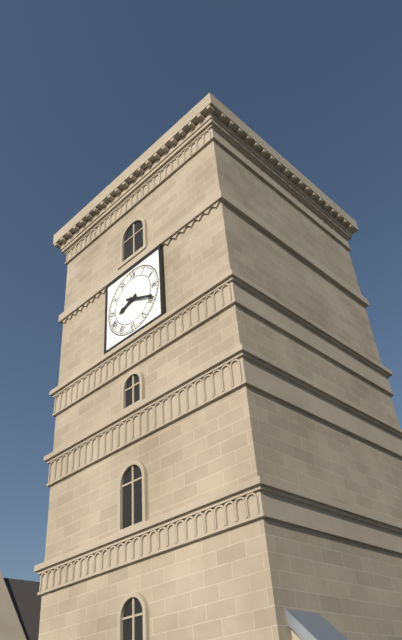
8:19
